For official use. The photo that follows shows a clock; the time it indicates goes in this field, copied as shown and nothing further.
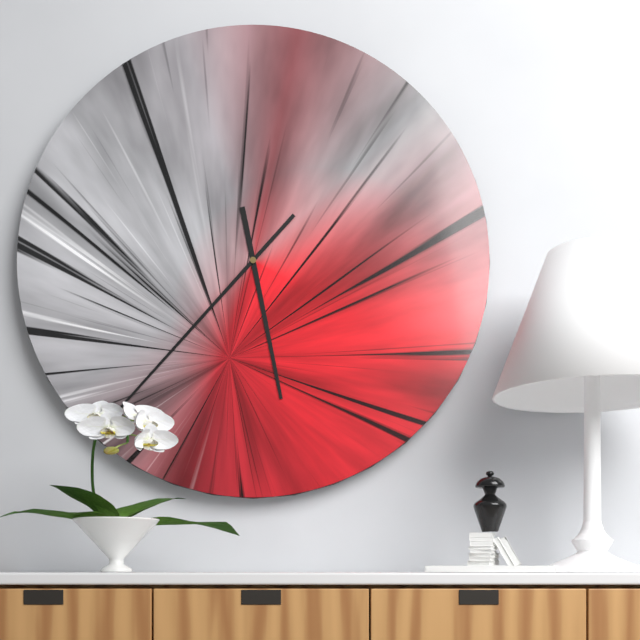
5:37
